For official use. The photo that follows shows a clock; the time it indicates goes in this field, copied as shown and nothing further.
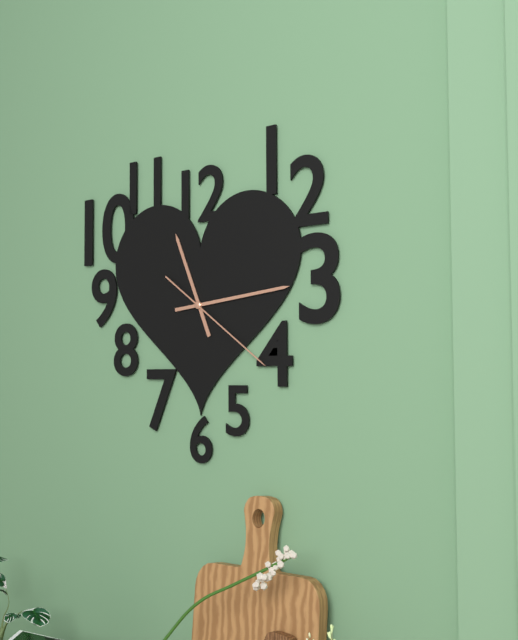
11:14:21
